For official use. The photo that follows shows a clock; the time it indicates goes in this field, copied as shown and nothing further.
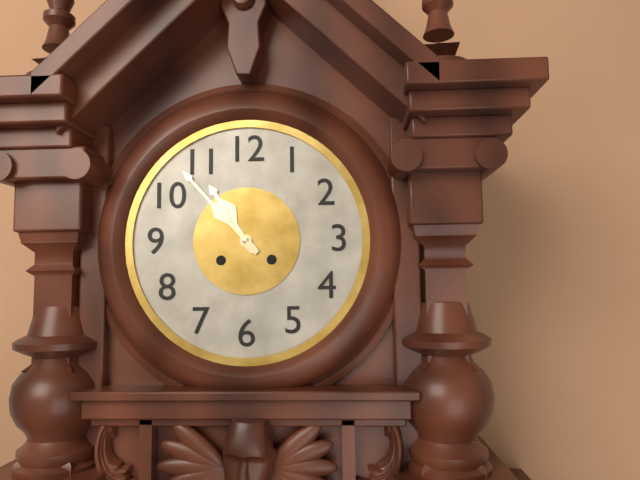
10:53
